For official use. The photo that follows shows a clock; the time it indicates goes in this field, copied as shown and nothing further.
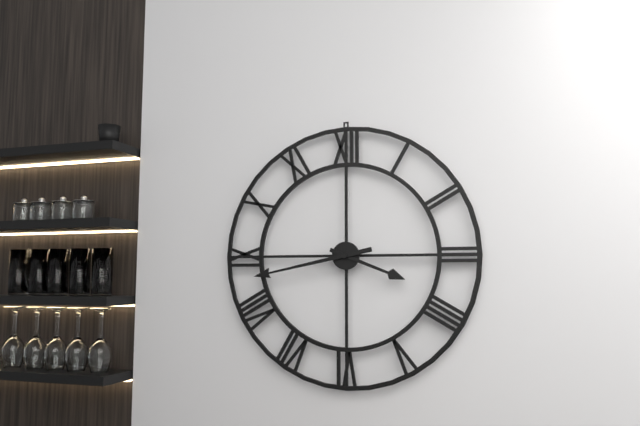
3:43
